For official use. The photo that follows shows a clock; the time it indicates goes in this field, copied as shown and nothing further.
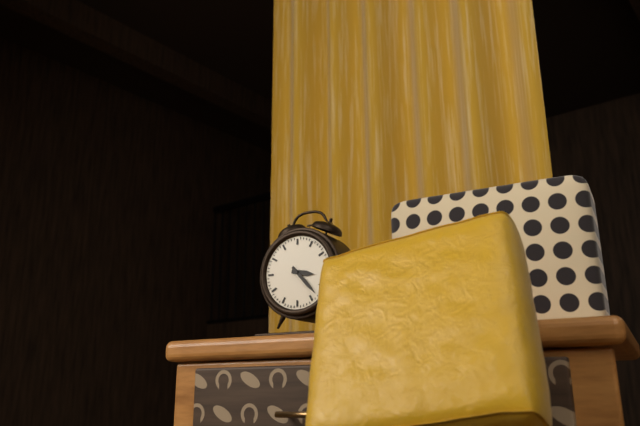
3:23
